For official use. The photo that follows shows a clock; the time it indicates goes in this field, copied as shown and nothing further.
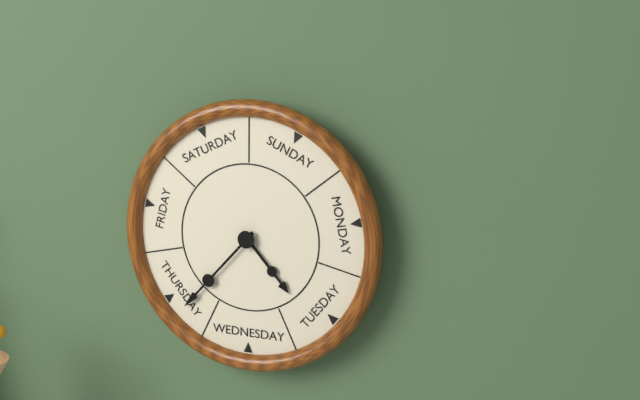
4:37
